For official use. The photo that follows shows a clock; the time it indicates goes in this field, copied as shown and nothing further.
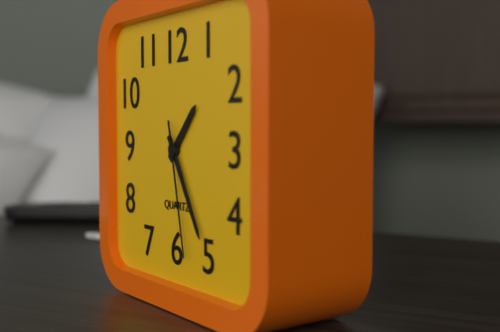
1:25:28
